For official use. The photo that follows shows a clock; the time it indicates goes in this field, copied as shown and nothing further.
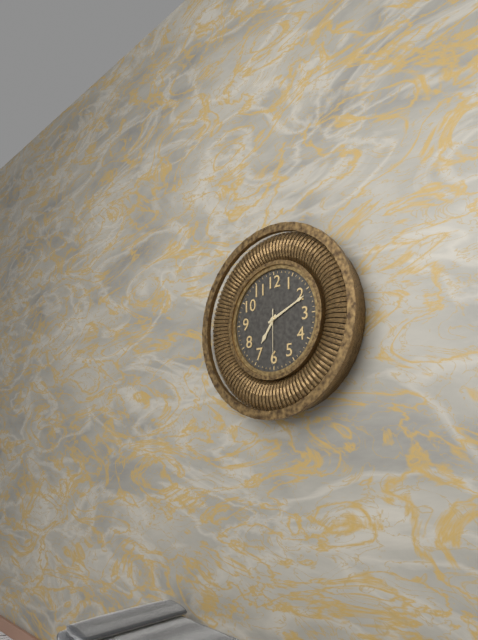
7:11:30
